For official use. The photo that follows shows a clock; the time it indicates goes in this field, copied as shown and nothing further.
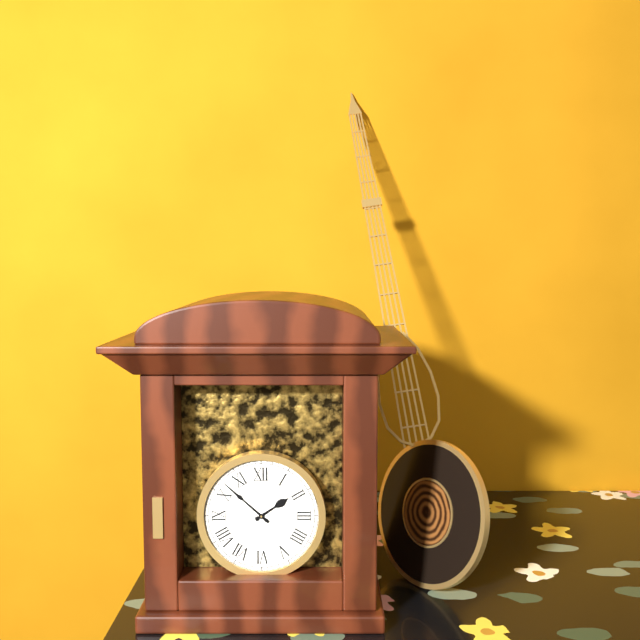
1:52
